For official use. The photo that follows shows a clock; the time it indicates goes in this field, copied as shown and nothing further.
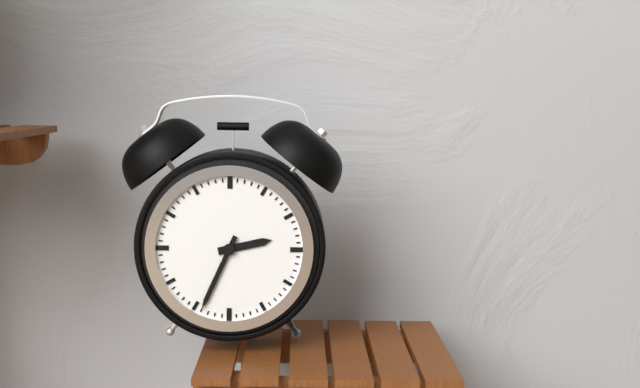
2:34
